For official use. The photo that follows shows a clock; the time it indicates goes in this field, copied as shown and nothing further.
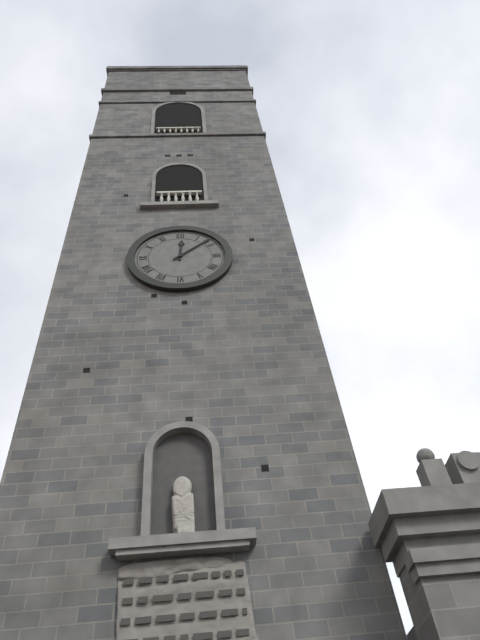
12:08
